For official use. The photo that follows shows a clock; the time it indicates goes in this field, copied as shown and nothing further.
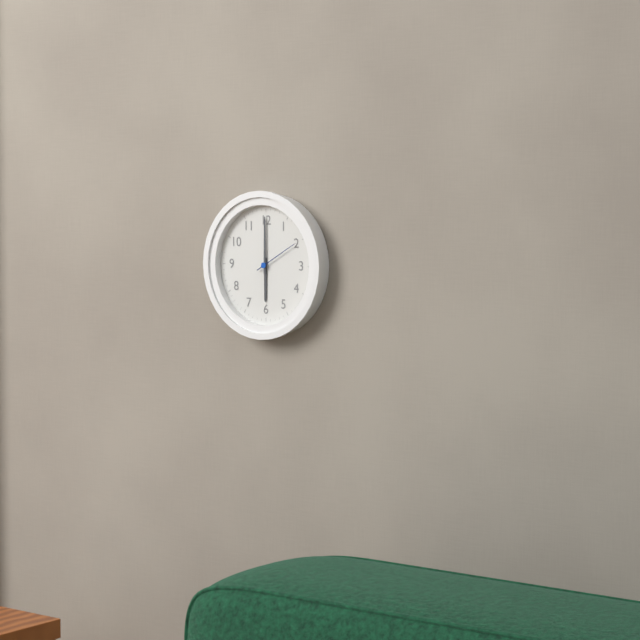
6:00
